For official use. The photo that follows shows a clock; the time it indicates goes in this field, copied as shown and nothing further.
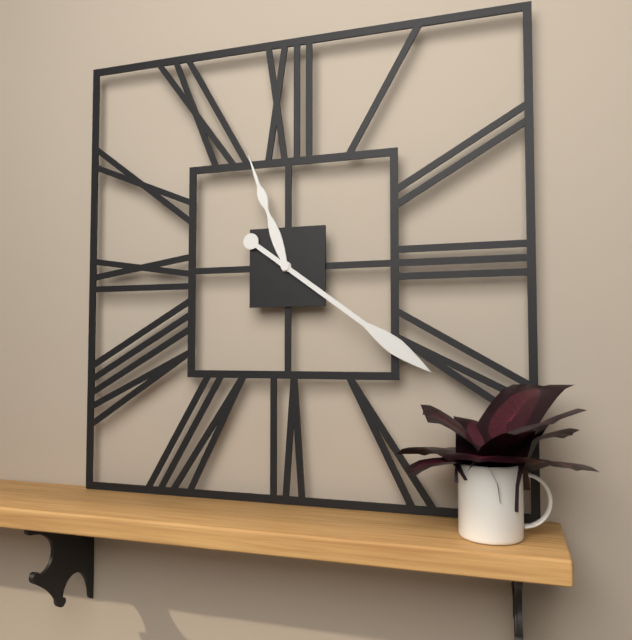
11:21
